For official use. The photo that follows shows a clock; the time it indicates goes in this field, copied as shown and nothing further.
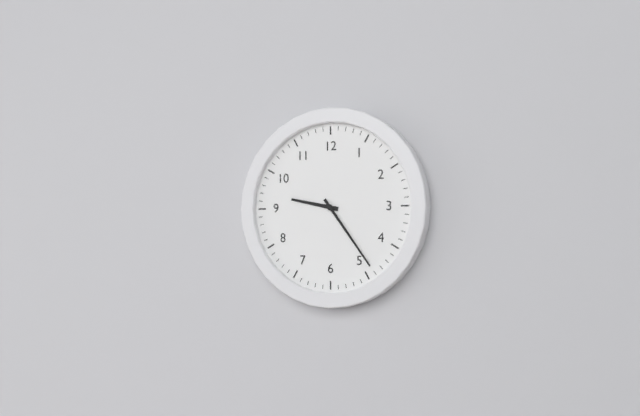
9:24
